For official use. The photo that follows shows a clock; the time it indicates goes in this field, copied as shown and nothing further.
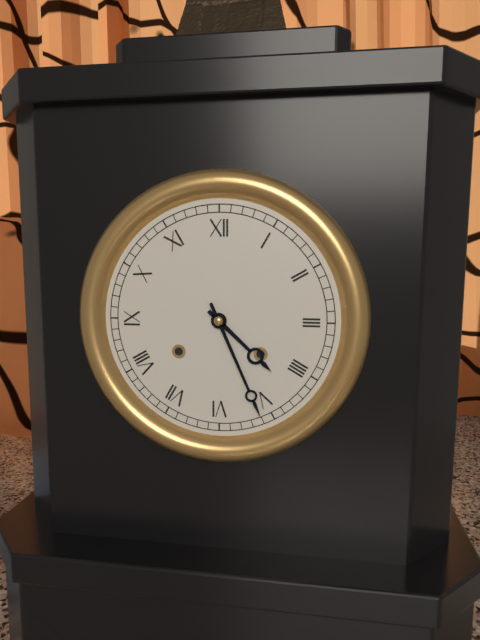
4:26
